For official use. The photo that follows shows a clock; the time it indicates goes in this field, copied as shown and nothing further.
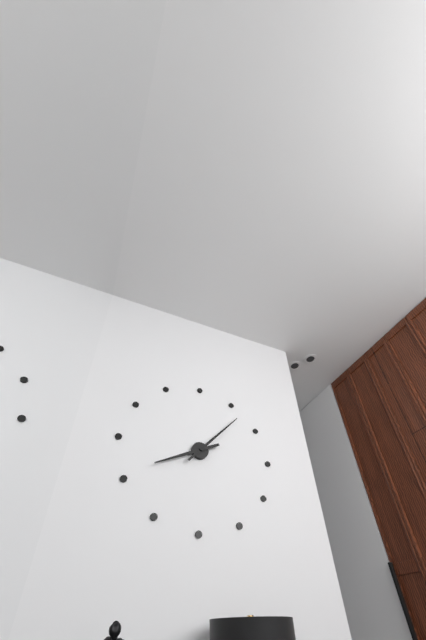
8:07
